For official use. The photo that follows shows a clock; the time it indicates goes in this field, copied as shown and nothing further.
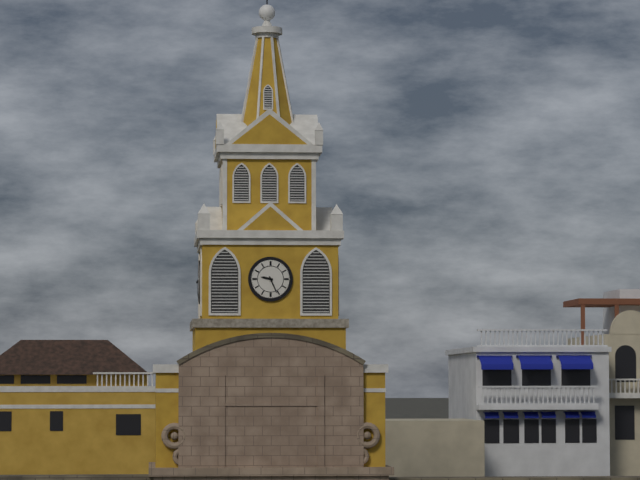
9:26
